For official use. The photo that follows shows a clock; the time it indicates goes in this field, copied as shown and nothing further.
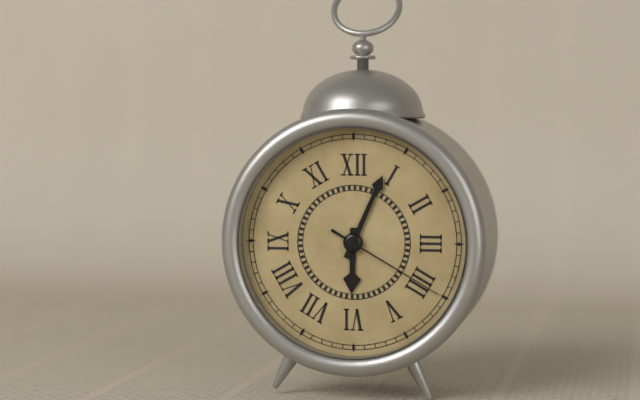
6:04:20
